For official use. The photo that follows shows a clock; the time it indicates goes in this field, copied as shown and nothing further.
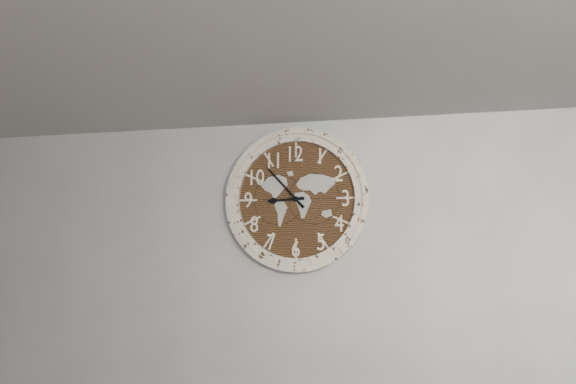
8:53
